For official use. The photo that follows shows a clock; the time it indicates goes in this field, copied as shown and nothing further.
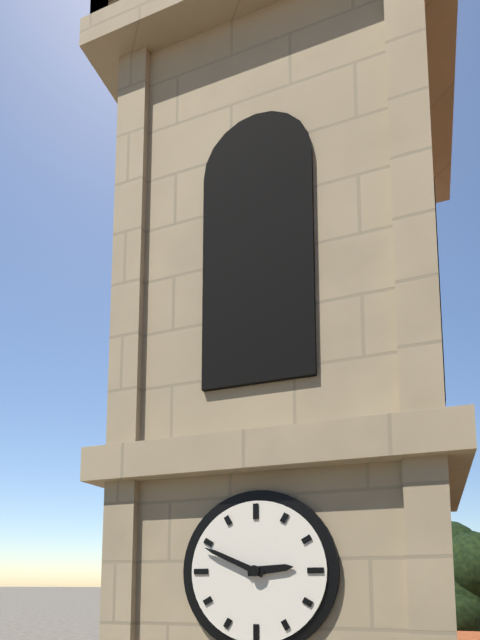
2:49
